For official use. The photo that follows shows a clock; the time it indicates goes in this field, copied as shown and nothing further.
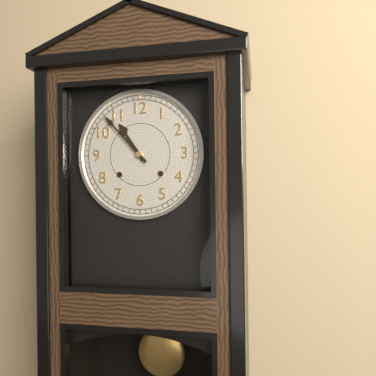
10:53
